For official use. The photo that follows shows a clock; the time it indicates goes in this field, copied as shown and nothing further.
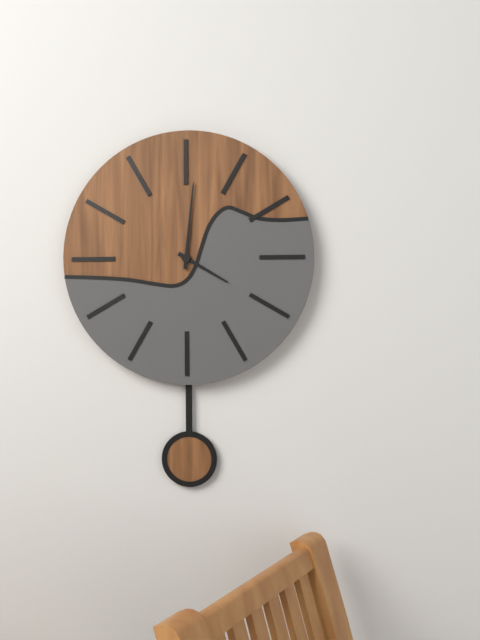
4:01
